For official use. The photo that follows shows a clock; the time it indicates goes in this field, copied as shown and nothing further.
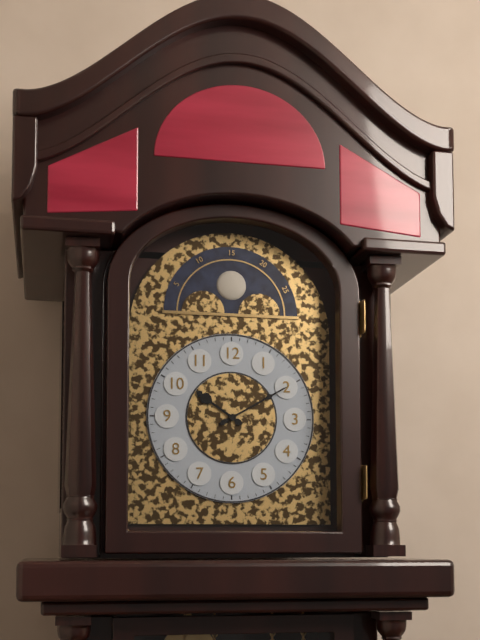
10:10
